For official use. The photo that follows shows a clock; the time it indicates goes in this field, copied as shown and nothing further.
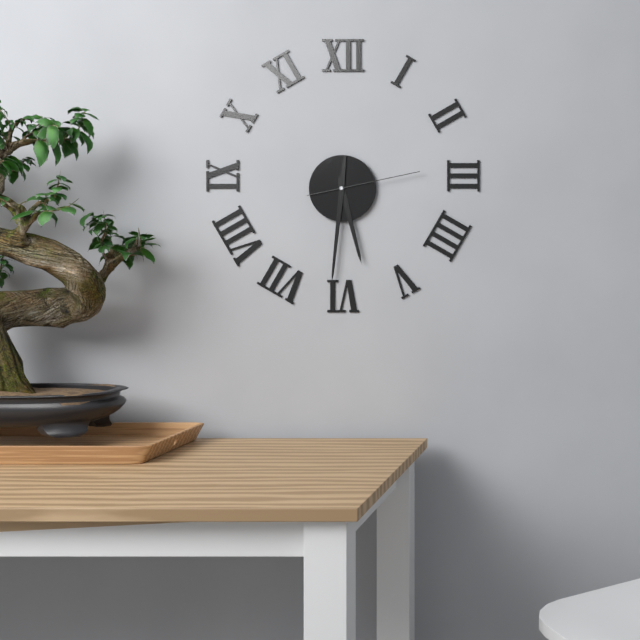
5:31:13
